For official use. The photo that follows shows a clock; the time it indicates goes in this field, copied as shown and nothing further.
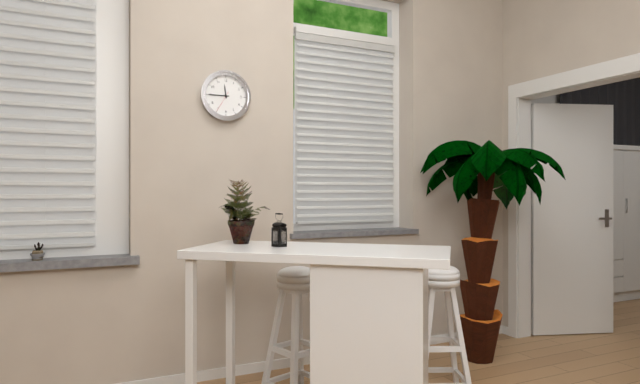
11:45
